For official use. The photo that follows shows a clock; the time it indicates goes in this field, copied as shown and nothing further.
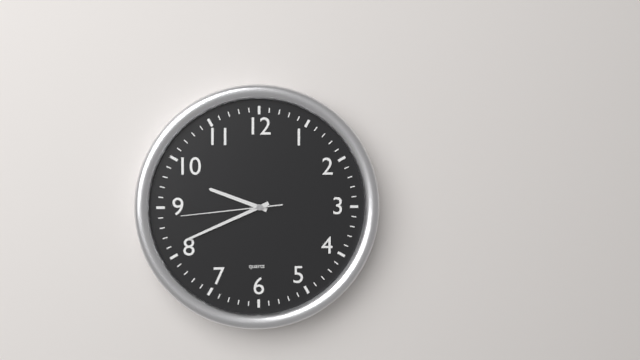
9:41:44
